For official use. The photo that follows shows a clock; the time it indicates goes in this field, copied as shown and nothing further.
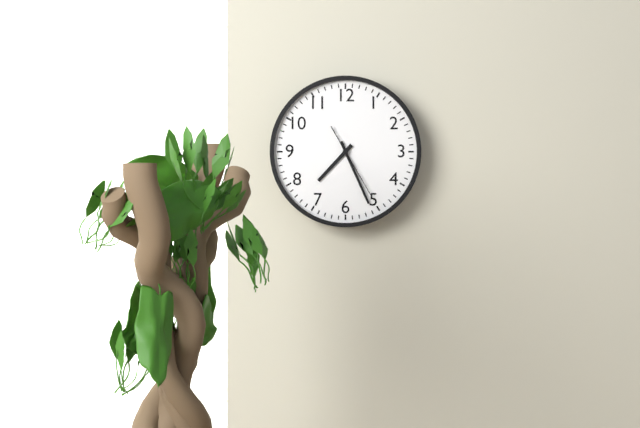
7:26:25
